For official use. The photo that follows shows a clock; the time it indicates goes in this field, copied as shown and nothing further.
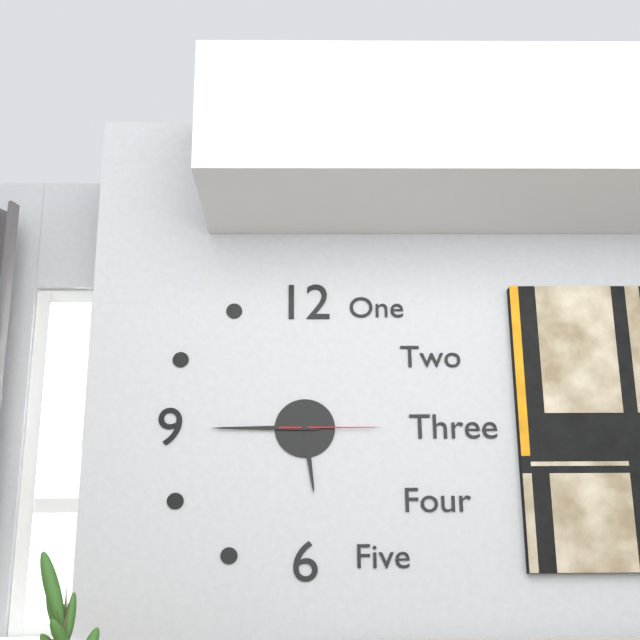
5:45:15
